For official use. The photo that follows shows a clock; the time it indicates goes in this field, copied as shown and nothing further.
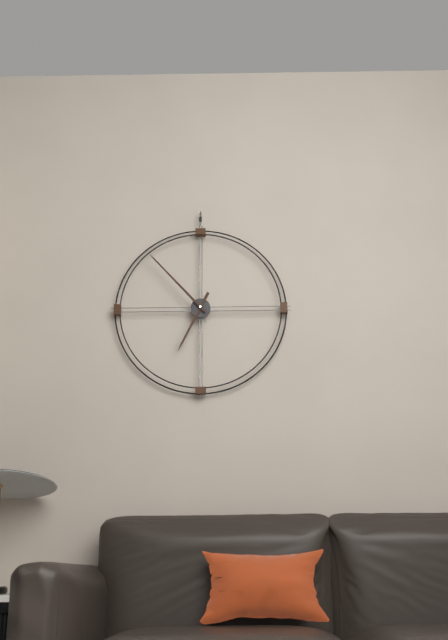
6:53
